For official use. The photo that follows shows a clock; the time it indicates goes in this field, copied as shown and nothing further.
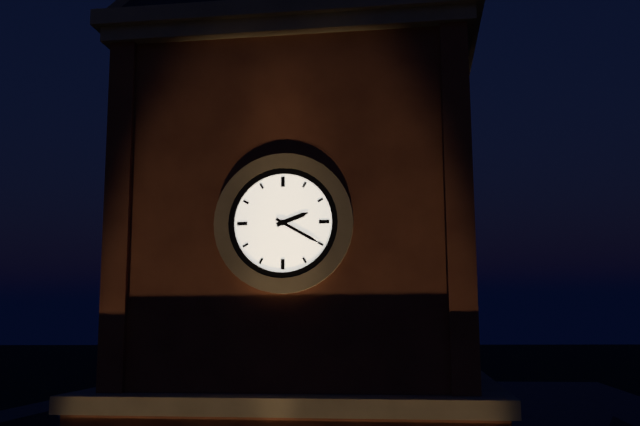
2:20
